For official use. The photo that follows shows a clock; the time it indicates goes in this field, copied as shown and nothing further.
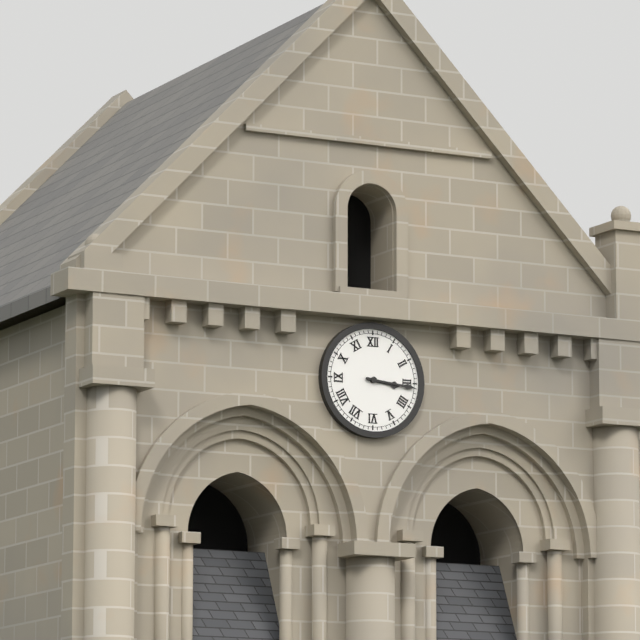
3:16
